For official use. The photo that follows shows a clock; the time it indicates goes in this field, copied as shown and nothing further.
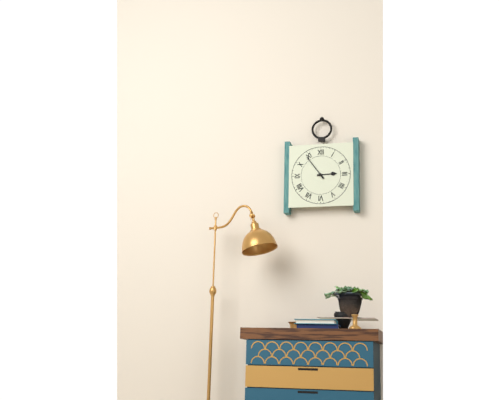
2:54
